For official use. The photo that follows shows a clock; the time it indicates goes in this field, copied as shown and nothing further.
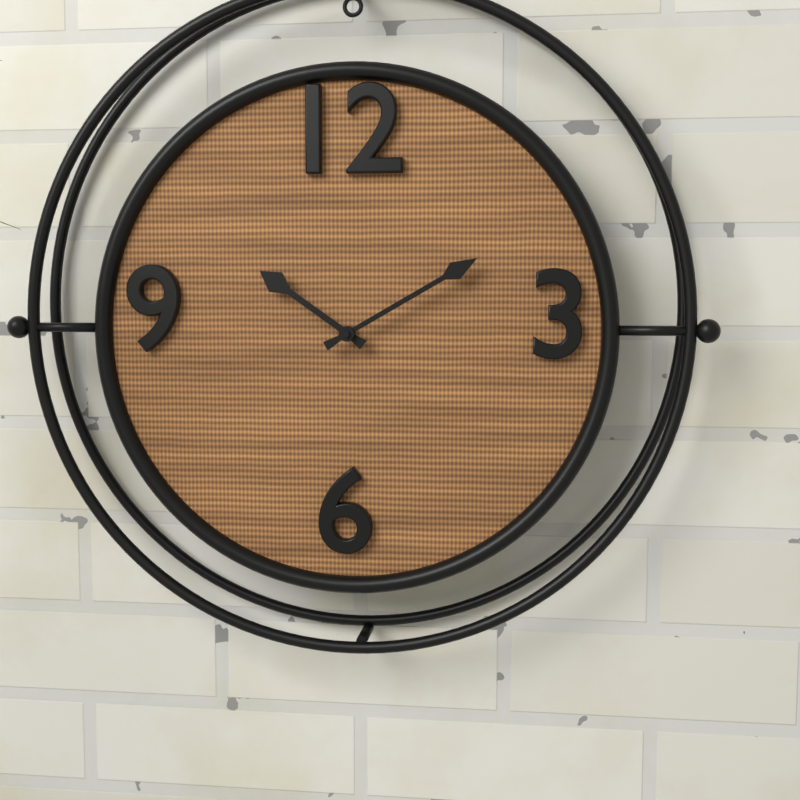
10:10
